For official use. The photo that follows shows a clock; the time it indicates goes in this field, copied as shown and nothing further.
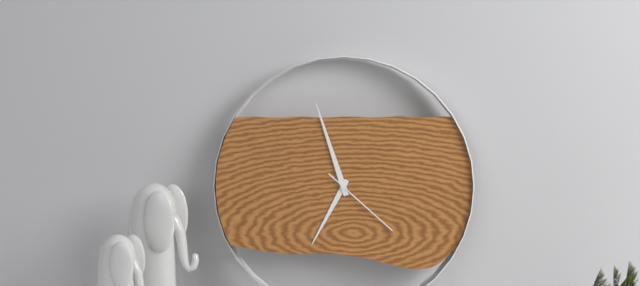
6:57:22
